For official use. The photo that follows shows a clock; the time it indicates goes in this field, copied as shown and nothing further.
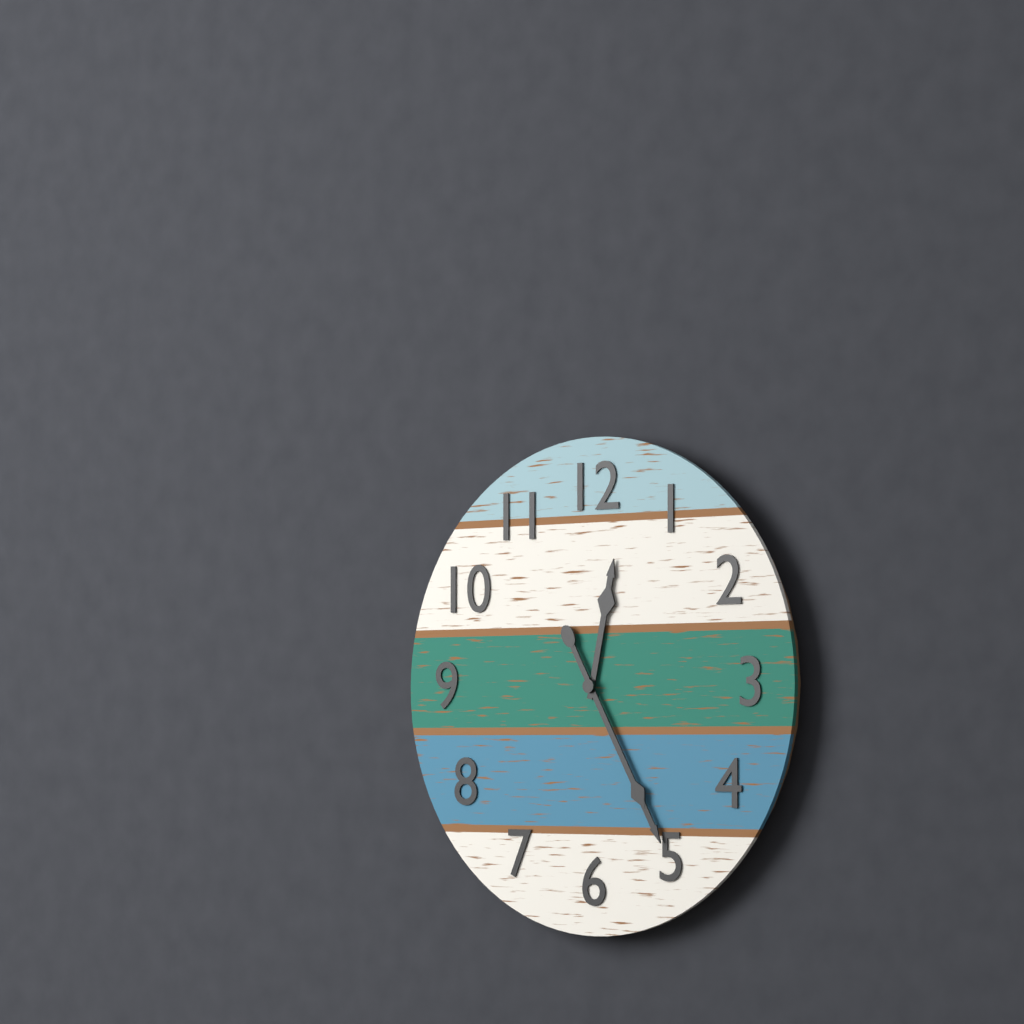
12:25
